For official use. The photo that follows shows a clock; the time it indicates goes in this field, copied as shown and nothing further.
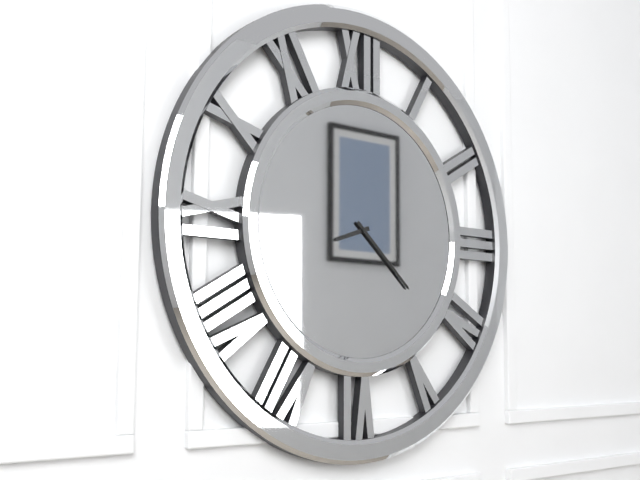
8:22
